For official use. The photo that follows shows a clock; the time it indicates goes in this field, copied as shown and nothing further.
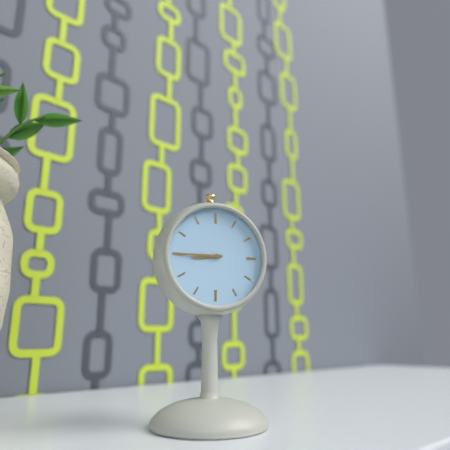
8:45
